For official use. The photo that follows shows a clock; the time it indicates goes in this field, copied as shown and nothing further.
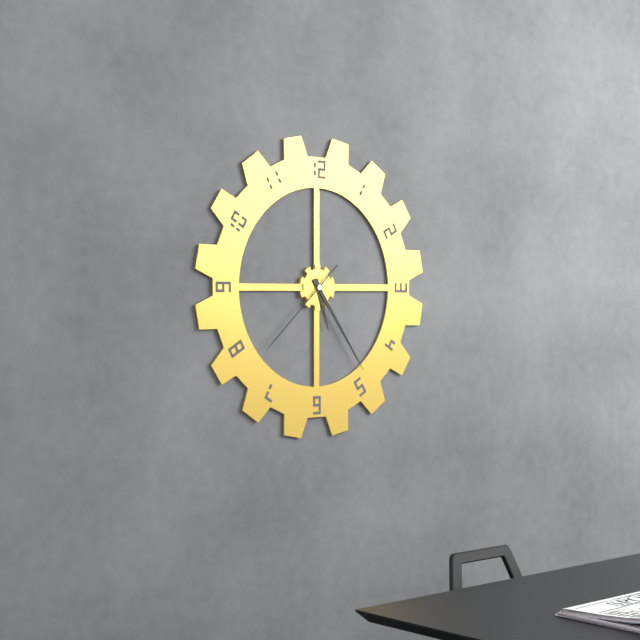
5:24:38
